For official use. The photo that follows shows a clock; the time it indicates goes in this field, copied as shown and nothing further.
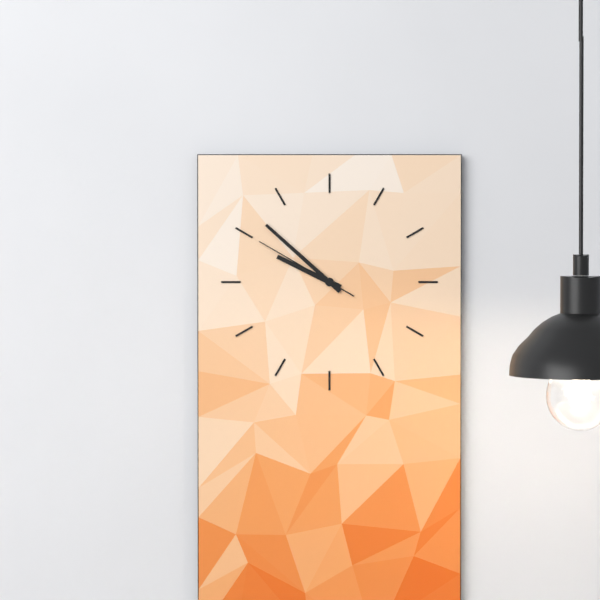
9:52:50
